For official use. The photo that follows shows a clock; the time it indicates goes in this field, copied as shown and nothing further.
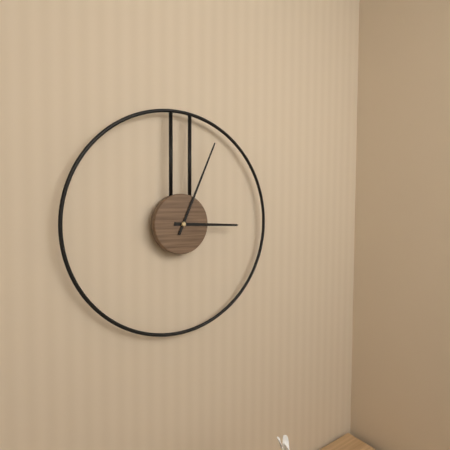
3:04
